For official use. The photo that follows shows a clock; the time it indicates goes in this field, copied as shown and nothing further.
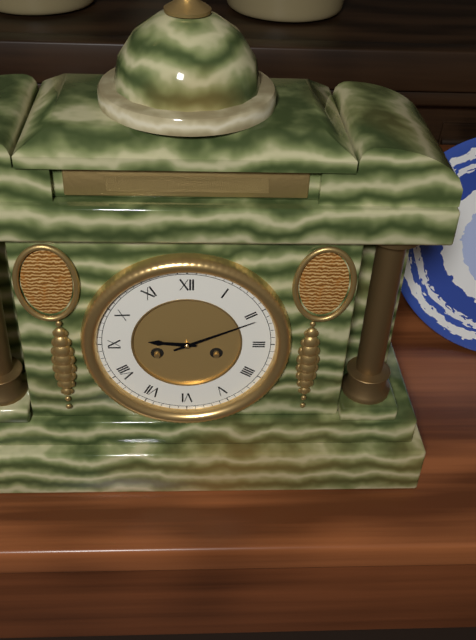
9:11
